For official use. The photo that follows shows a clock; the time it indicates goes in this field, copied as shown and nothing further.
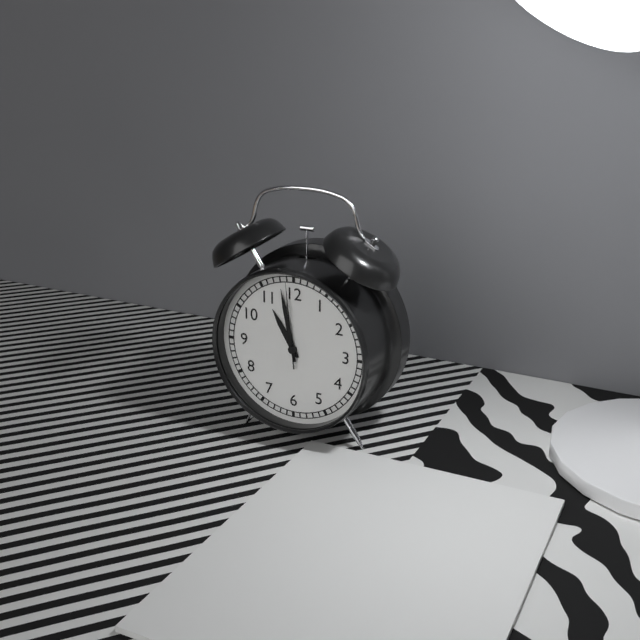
10:58:59
